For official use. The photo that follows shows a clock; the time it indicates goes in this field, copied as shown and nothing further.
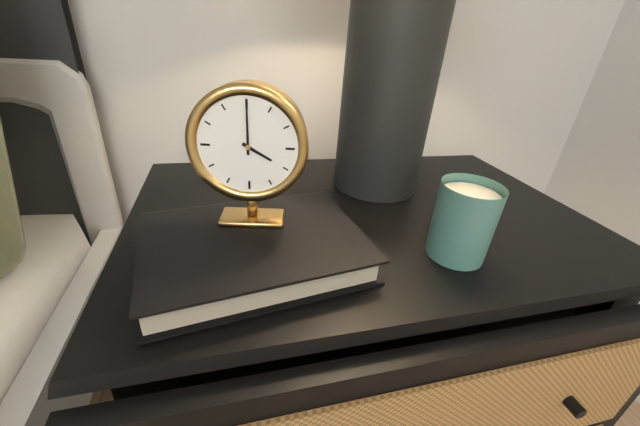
4:00
